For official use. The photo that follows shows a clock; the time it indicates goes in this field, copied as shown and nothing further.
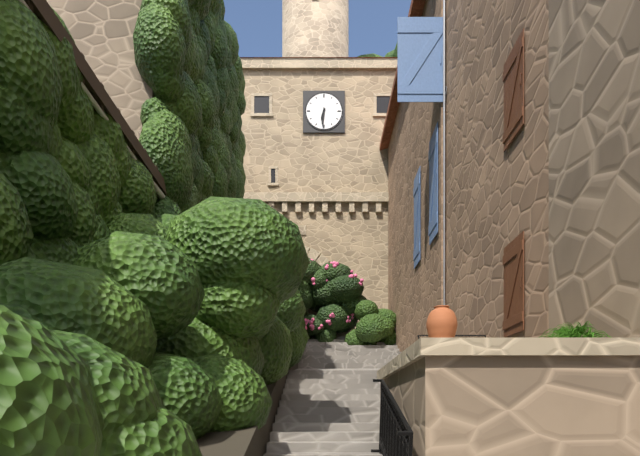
6:31
